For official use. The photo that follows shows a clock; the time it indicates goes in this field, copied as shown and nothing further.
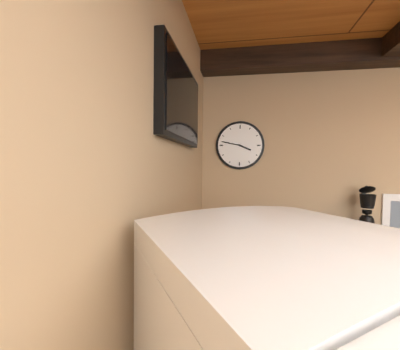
3:47
